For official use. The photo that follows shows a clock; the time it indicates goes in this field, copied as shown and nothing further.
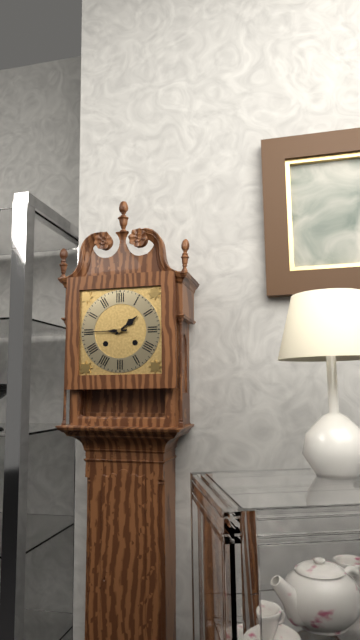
1:45
